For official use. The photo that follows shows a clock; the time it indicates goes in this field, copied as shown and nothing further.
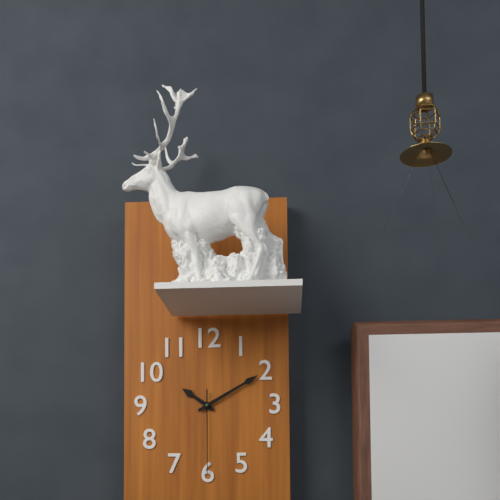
10:10:30
